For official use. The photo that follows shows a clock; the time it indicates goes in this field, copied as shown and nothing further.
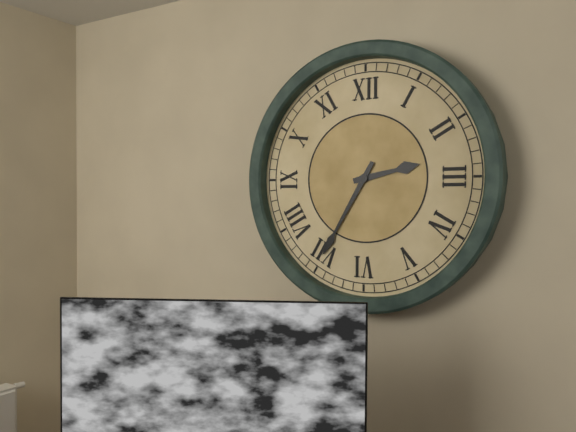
2:35
